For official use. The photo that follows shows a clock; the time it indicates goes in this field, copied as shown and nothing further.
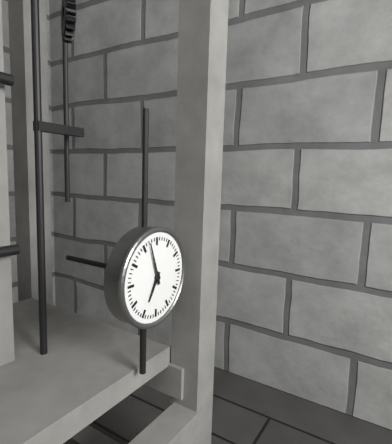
6:57
